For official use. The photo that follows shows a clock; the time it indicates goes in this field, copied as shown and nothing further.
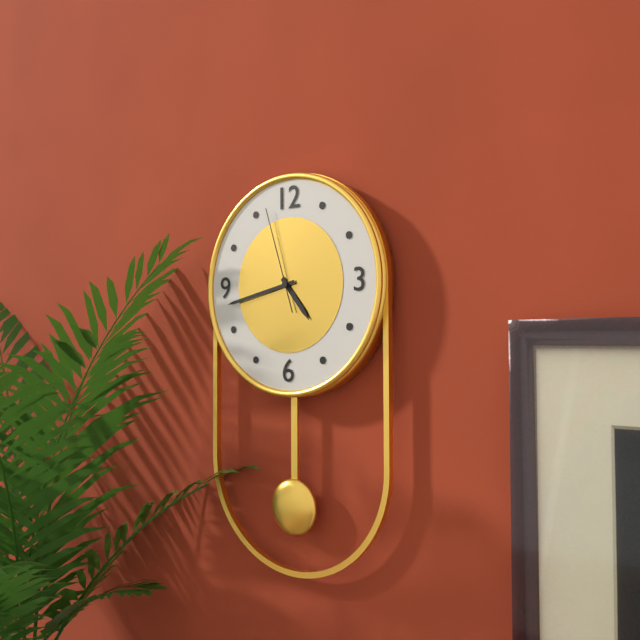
4:43:57
